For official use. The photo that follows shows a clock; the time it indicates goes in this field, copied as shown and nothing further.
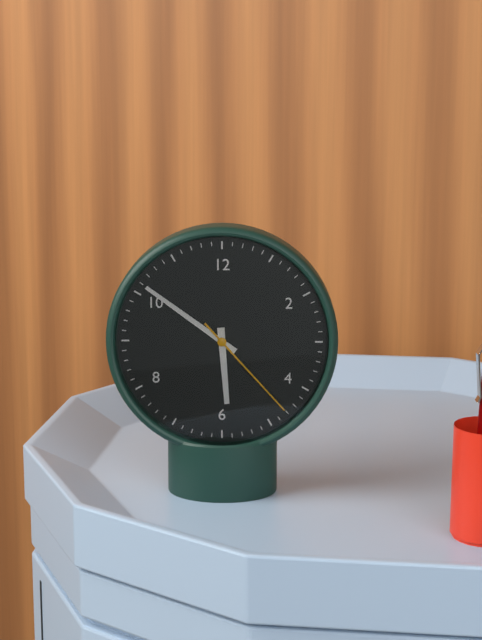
5:51:23
